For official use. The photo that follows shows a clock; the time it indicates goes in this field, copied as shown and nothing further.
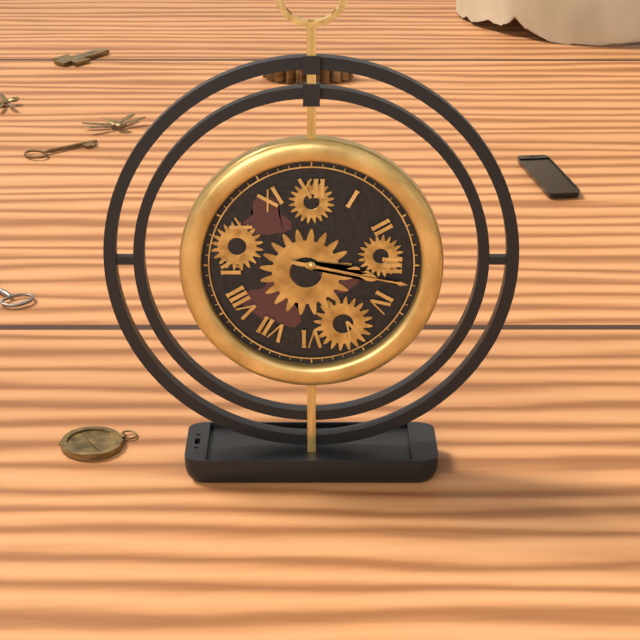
3:17
